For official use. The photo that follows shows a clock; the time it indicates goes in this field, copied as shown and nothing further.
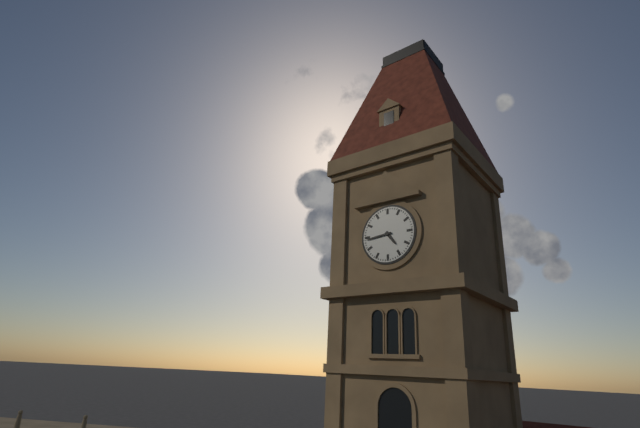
4:44
